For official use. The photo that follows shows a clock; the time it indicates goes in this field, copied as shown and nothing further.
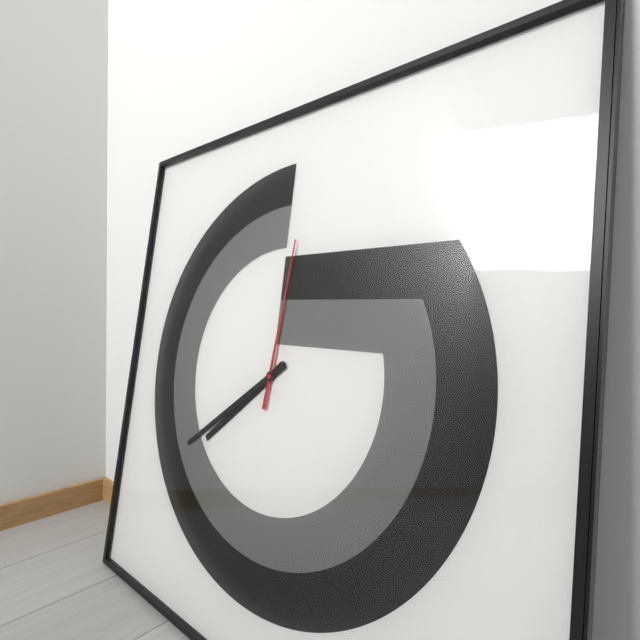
7:39:01
